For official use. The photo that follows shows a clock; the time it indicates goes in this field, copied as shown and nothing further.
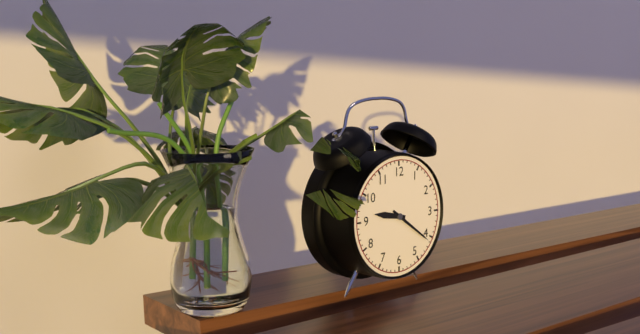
9:21
